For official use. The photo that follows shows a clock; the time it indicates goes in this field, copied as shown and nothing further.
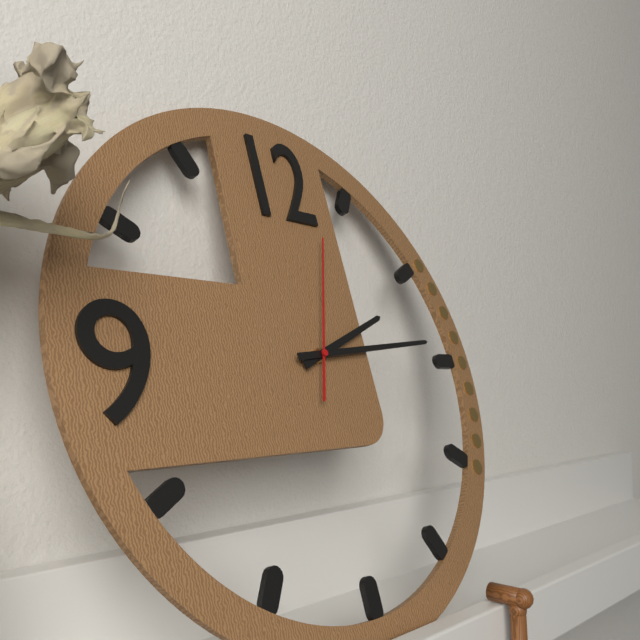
2:14:03
